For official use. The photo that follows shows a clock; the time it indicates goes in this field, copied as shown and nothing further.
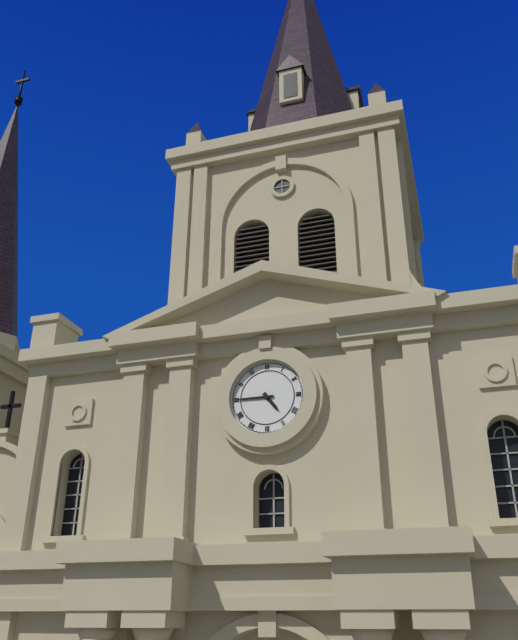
4:45
